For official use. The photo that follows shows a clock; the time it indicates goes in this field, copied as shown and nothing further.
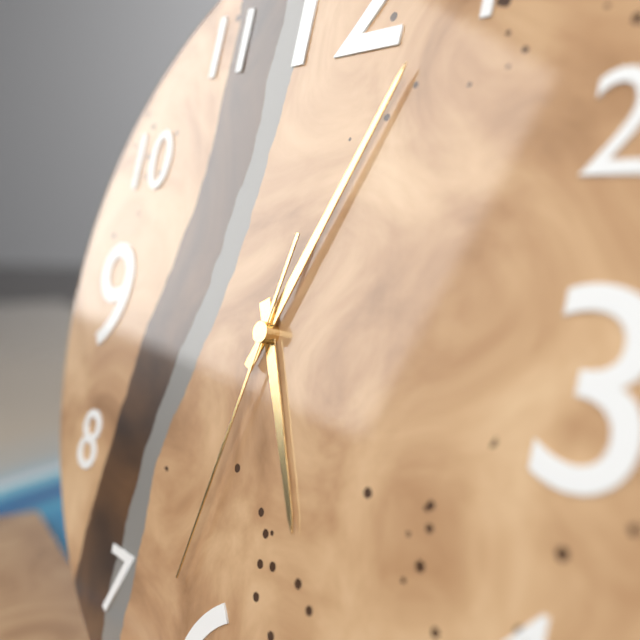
5:04:32
